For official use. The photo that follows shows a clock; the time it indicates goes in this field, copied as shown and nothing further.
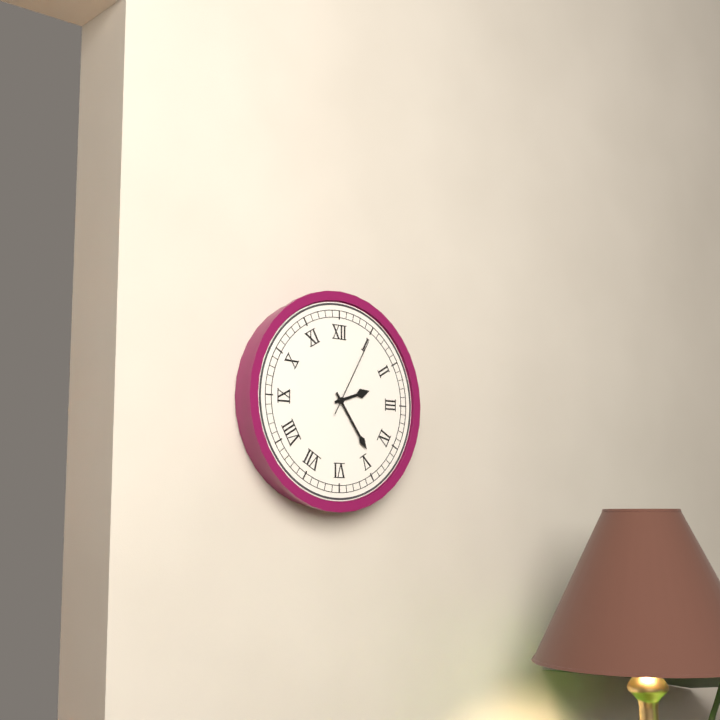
2:24:05
